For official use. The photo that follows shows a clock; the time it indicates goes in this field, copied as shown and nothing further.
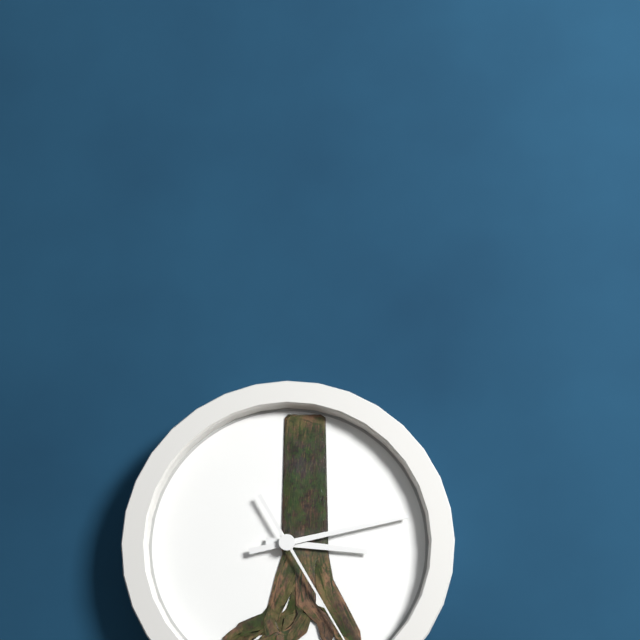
3:13
